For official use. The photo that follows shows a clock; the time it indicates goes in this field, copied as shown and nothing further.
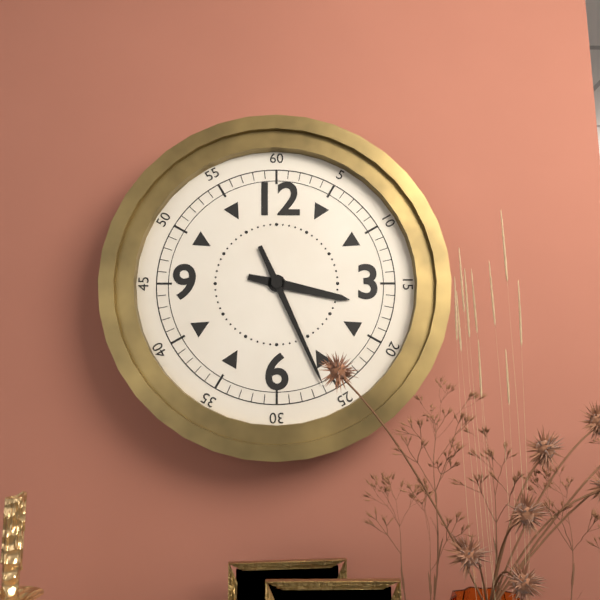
3:26
